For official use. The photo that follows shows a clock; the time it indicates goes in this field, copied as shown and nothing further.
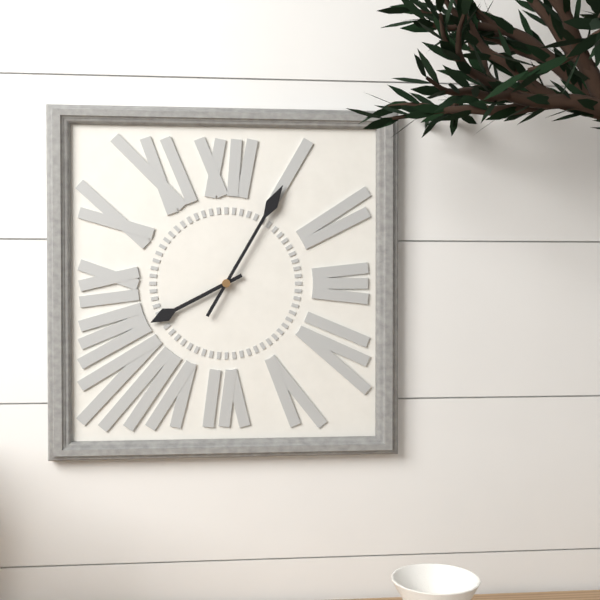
8:05
